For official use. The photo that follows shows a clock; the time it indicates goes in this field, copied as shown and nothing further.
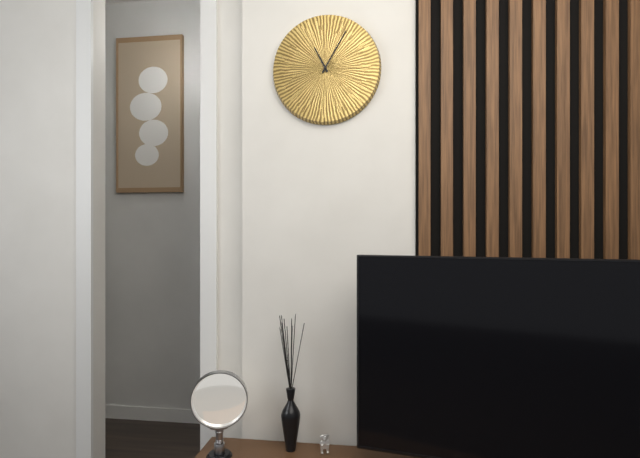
11:05
